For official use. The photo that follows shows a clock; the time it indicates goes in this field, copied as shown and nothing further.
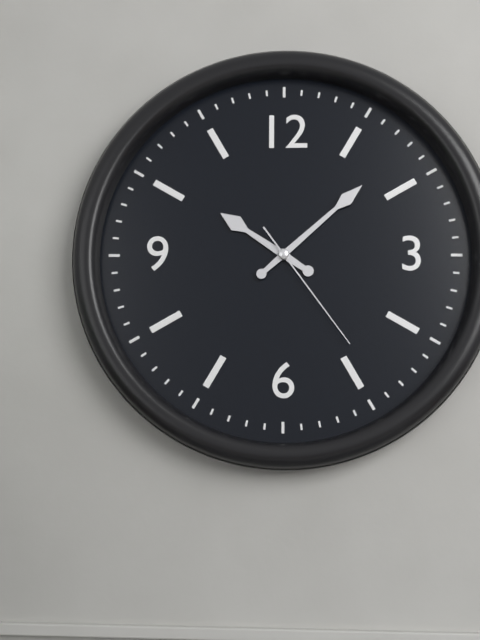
10:08:24
